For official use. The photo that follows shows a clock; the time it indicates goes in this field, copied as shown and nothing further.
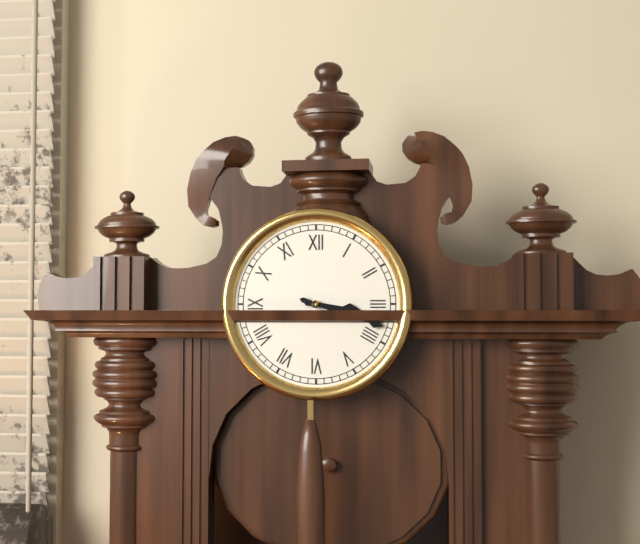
3:18
